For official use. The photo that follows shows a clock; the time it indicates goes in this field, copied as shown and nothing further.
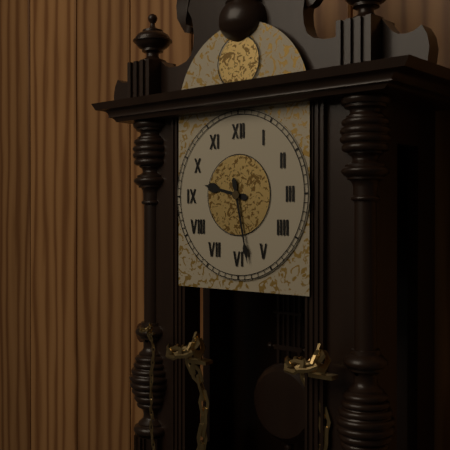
9:28
